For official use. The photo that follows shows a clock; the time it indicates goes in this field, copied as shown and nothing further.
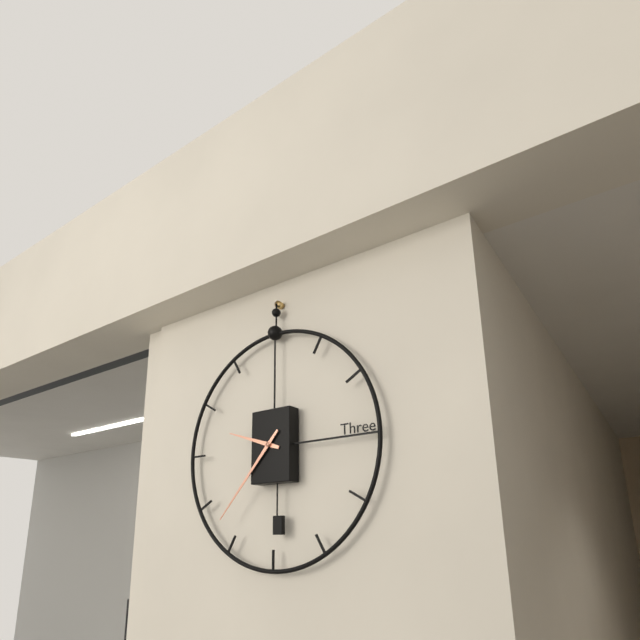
9:37
